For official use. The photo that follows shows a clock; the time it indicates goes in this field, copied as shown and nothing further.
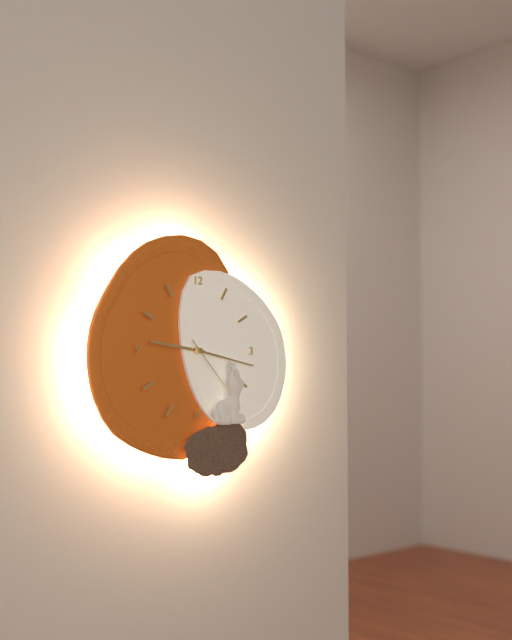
9:17:23
